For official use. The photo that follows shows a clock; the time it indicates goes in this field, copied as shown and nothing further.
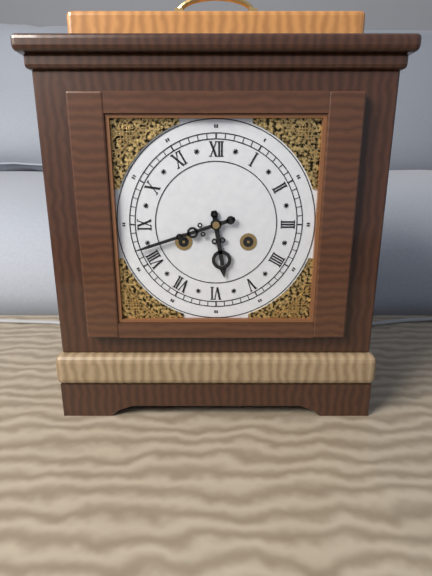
5:42
